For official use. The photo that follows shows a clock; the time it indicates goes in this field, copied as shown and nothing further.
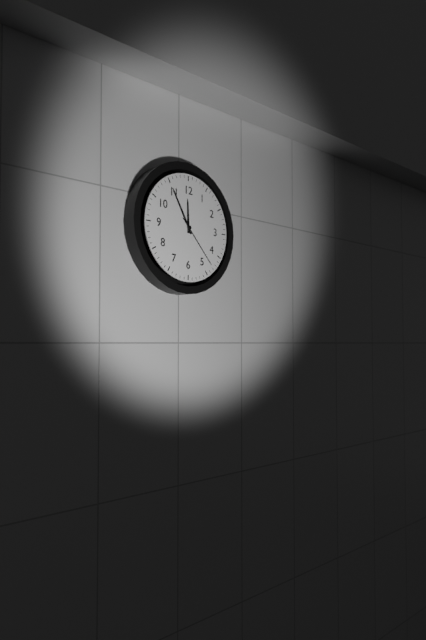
11:55:23
